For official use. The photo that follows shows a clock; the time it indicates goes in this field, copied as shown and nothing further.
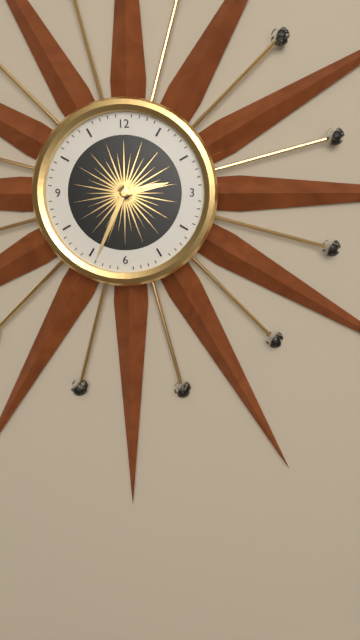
2:34
